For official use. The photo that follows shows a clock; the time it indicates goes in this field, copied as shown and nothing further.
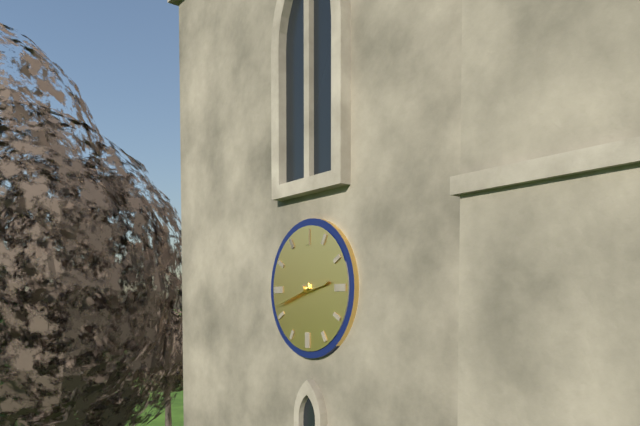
2:42
